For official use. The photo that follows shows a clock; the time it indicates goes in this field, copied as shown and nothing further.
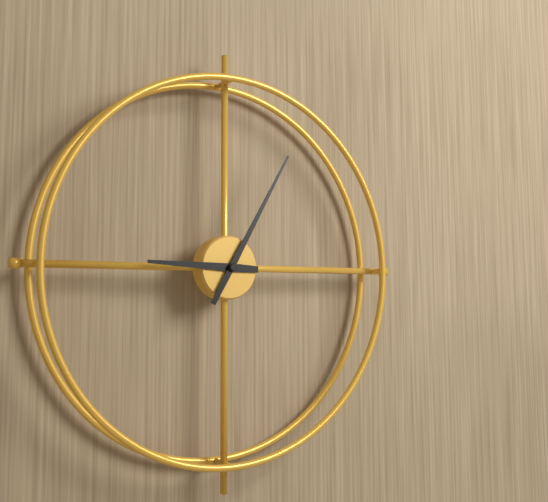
9:05
